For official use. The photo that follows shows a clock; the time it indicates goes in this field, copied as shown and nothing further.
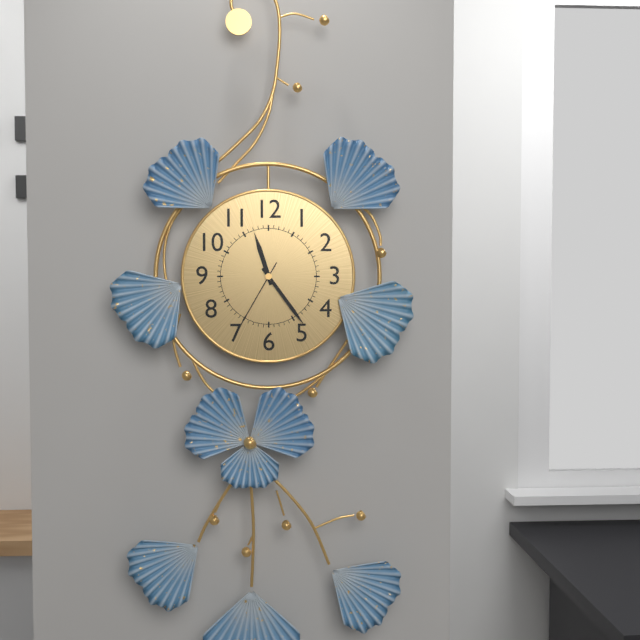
11:24:35
